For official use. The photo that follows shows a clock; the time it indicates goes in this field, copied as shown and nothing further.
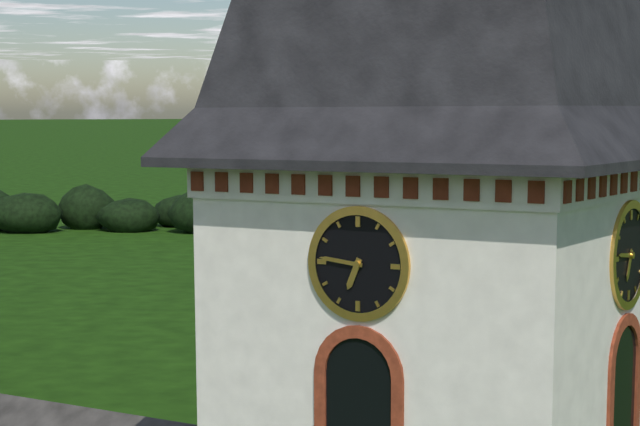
6:46
